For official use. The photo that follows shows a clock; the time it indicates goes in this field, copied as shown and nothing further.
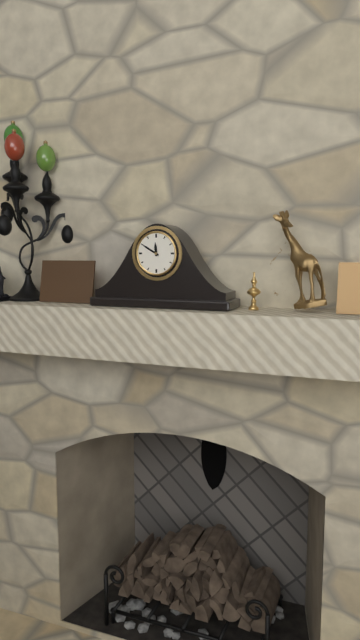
11:50
